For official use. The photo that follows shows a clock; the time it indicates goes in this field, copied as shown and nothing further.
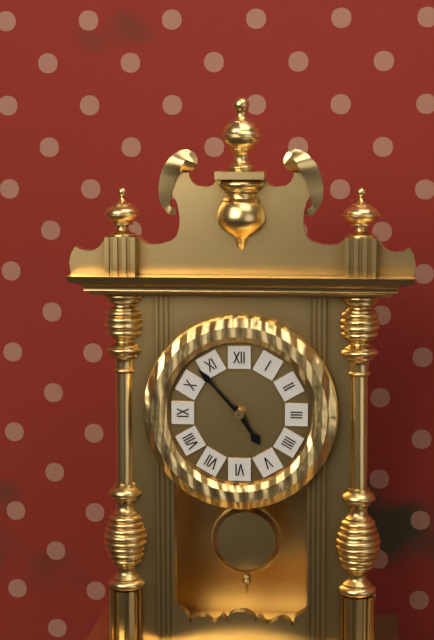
4:53
